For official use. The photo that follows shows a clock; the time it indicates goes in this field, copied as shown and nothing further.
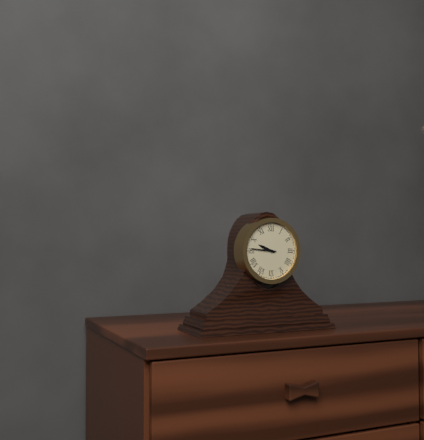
9:46
